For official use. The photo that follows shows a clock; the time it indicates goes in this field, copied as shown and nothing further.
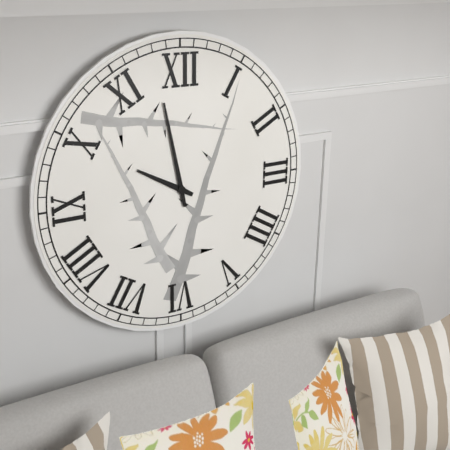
9:58
